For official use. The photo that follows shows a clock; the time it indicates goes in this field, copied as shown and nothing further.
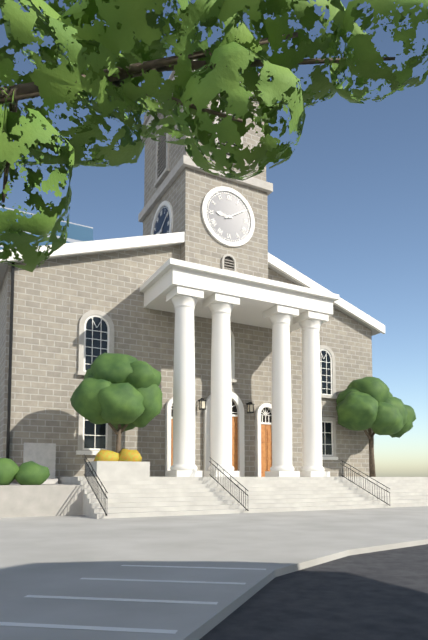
9:10
